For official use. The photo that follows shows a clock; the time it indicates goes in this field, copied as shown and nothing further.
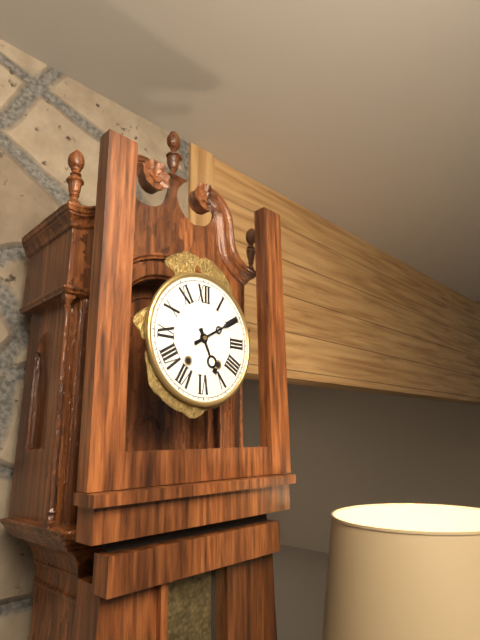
5:10
